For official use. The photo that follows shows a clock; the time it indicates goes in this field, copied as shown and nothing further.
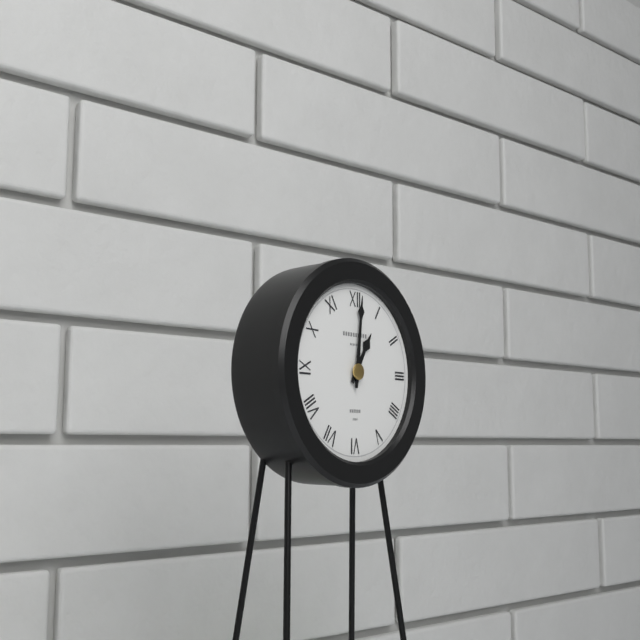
1:01
